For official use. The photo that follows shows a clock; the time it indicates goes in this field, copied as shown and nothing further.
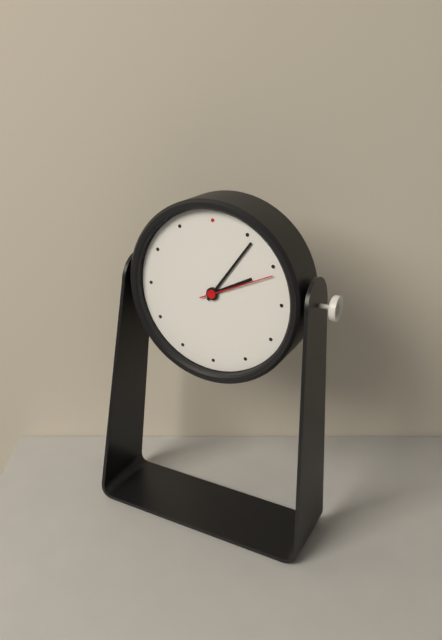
2:06:11
